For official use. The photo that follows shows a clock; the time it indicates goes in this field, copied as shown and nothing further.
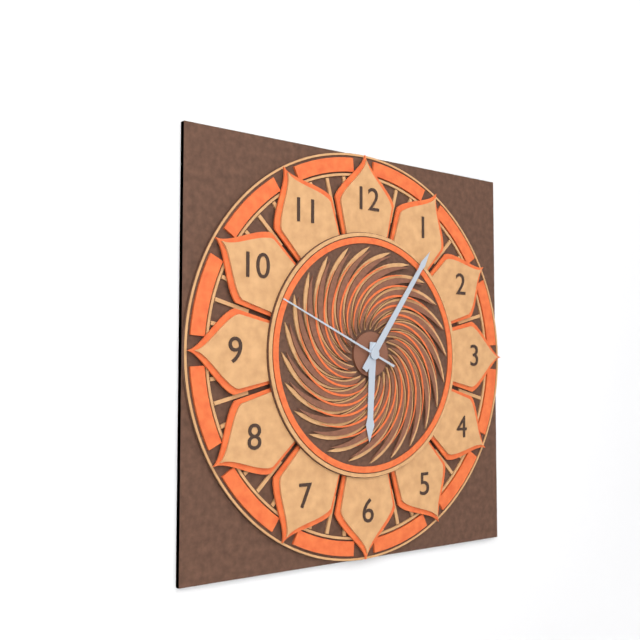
6:06:49
